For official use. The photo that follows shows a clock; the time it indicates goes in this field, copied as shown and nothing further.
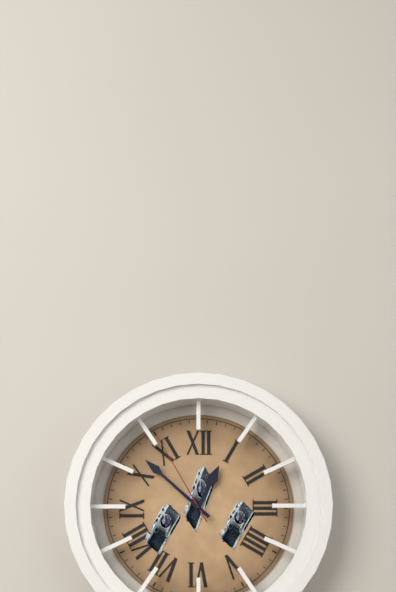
12:52:55
